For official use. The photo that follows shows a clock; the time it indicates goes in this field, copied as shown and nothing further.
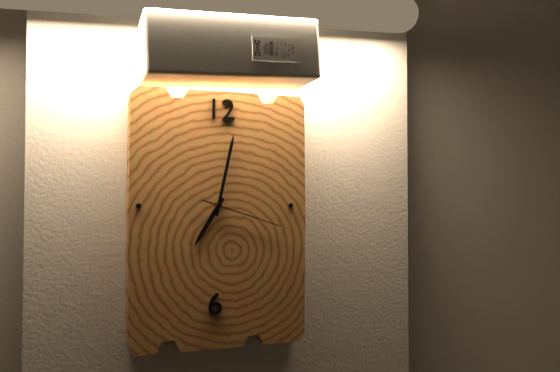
7:02:18
